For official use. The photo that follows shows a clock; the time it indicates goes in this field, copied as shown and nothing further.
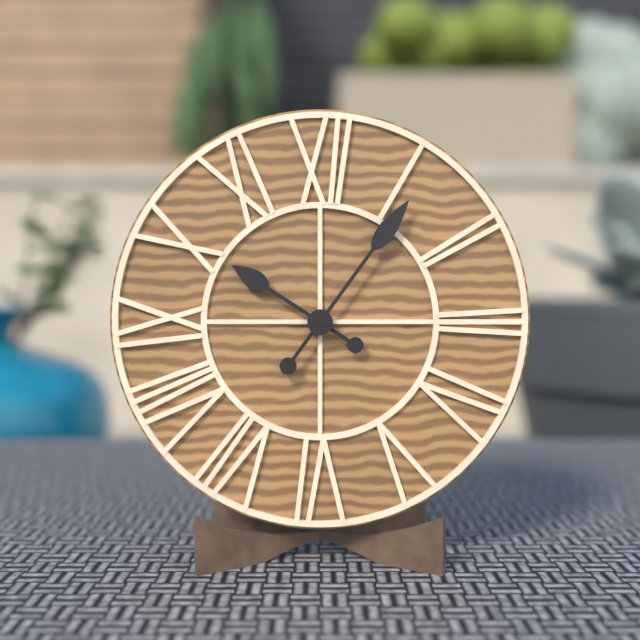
10:06
